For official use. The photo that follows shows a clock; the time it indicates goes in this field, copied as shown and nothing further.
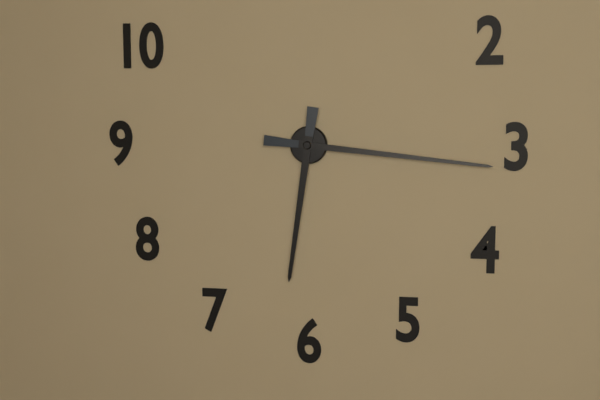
6:16
